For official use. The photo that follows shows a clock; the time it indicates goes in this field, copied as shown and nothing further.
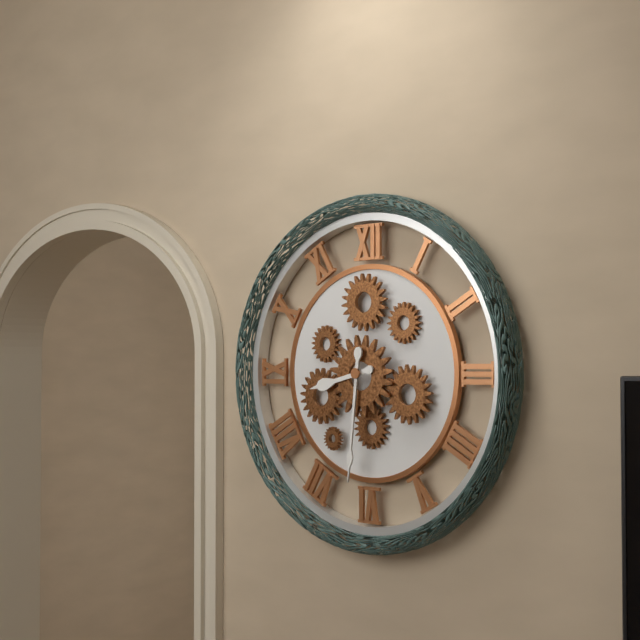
8:31
